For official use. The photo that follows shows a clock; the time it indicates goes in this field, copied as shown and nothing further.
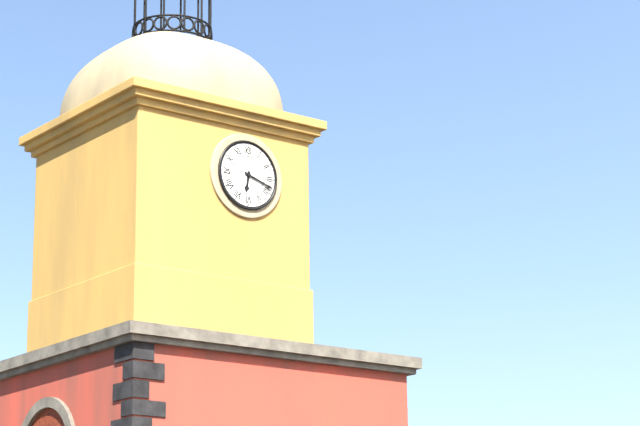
6:18
